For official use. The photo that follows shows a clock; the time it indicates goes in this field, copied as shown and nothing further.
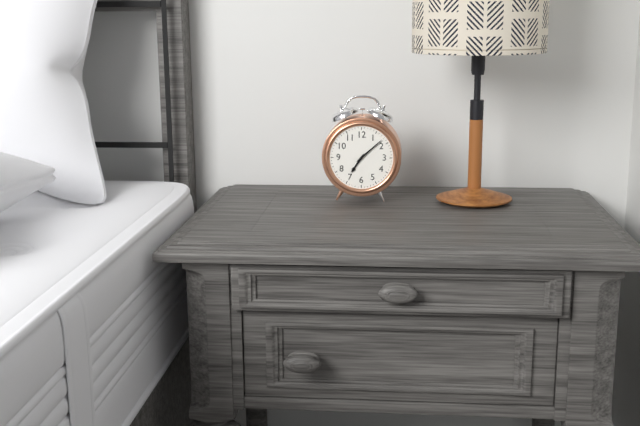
7:08
